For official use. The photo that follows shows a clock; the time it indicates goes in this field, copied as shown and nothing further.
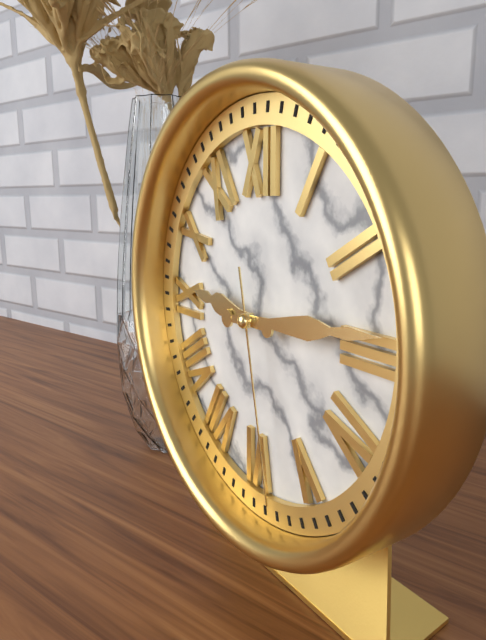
9:14:28
